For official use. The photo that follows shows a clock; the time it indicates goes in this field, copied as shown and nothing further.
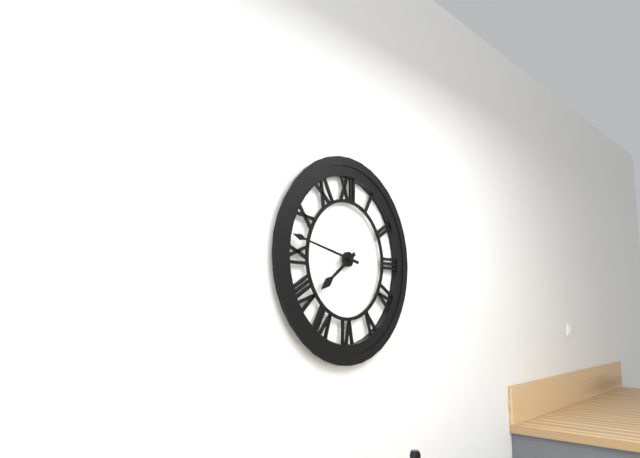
7:47
